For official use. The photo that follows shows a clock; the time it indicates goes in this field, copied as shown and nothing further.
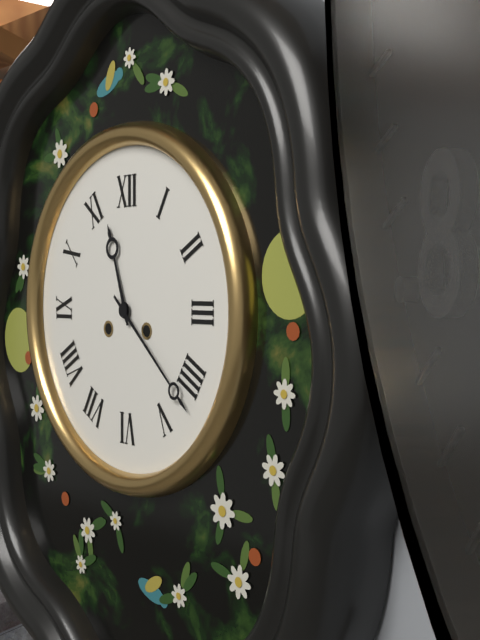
11:22
